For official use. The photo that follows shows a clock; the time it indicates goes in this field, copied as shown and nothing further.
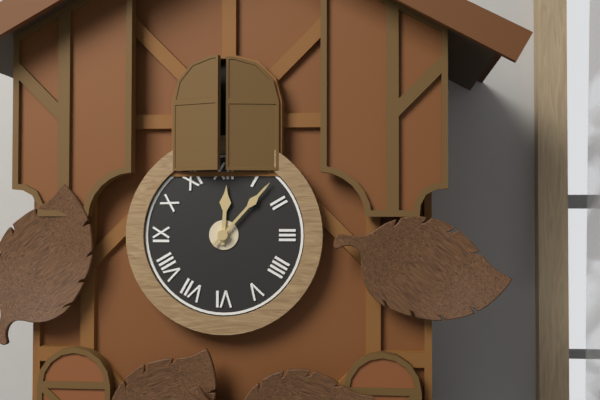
12:07
